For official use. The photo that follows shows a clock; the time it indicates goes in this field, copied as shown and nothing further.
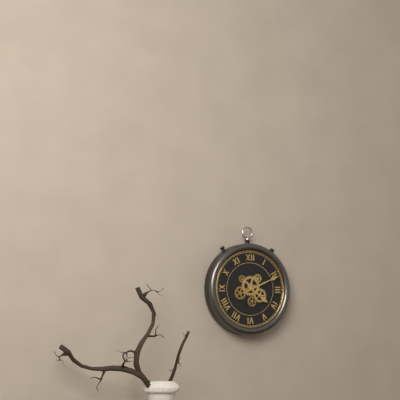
4:11
